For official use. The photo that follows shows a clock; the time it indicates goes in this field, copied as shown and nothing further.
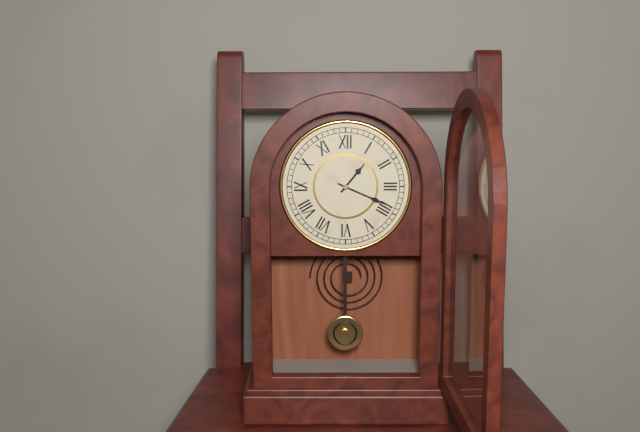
1:19
